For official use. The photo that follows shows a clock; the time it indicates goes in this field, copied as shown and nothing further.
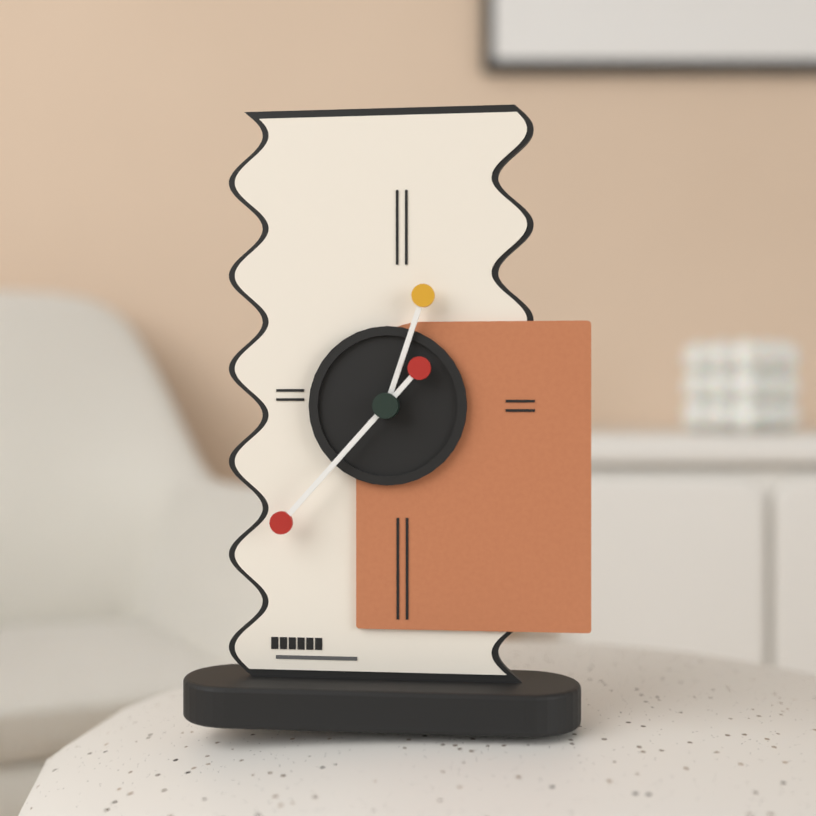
12:37
